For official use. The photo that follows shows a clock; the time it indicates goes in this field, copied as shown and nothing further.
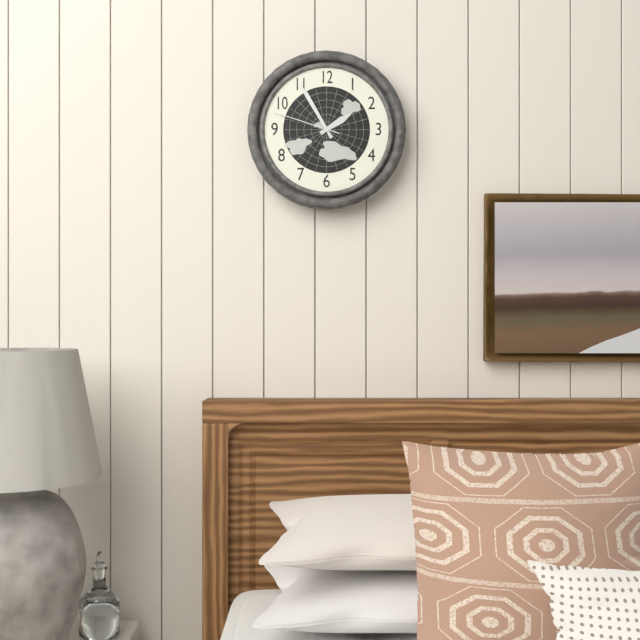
1:55:48
